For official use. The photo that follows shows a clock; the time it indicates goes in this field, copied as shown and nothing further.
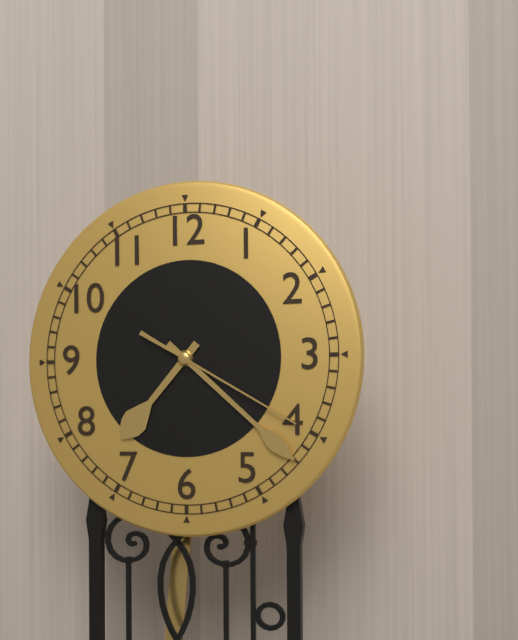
7:22:20
